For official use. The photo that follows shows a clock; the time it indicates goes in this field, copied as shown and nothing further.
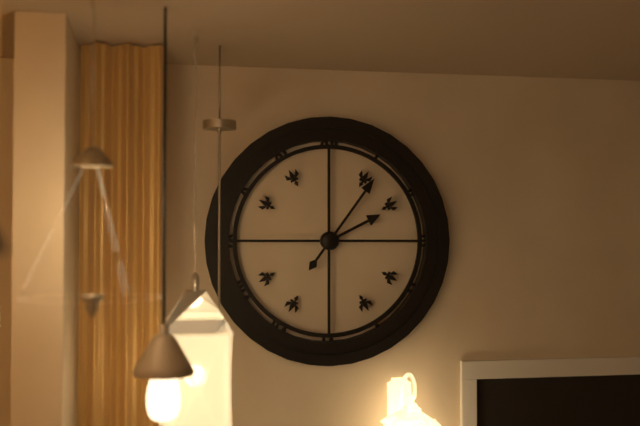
2:06
